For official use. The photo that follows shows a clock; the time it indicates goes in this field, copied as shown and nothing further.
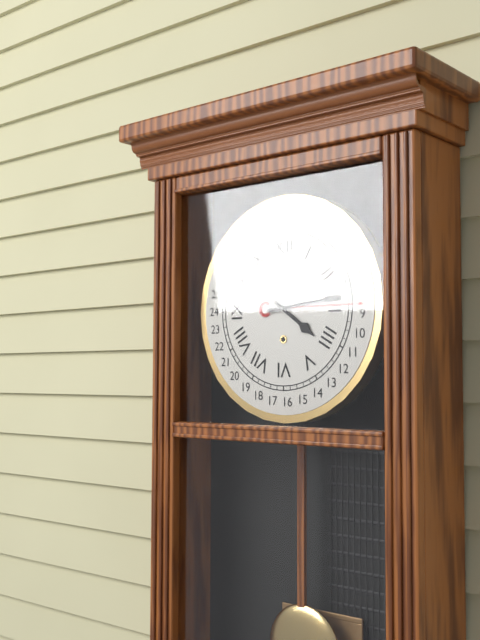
4:14
